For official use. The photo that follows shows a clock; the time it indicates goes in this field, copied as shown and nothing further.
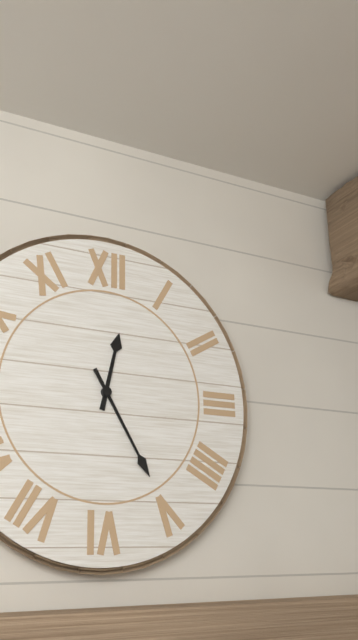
12:25
